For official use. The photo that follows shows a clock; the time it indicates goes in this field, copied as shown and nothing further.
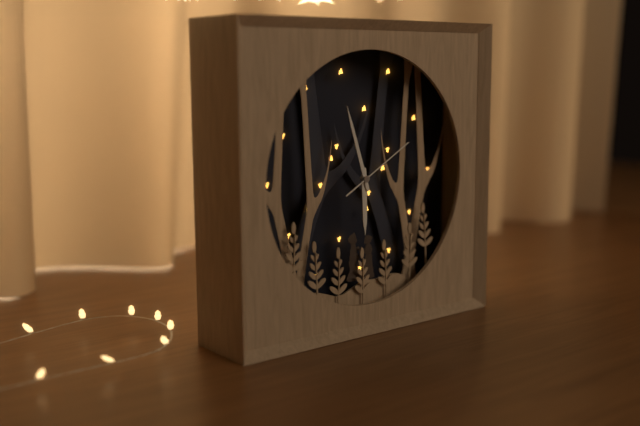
5:57:10
